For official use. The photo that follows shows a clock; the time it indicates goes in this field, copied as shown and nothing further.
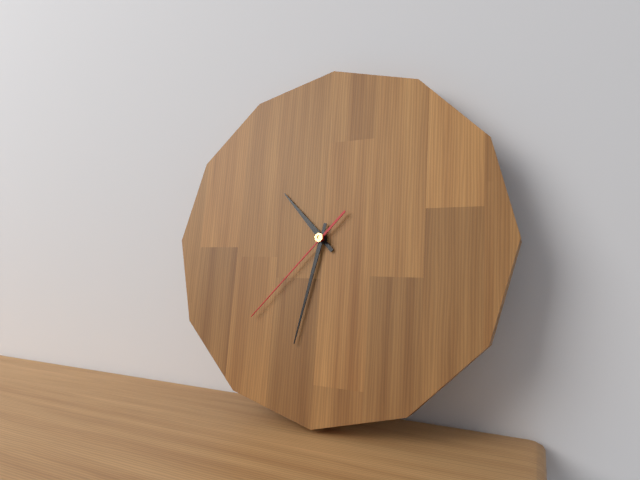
10:32:37
